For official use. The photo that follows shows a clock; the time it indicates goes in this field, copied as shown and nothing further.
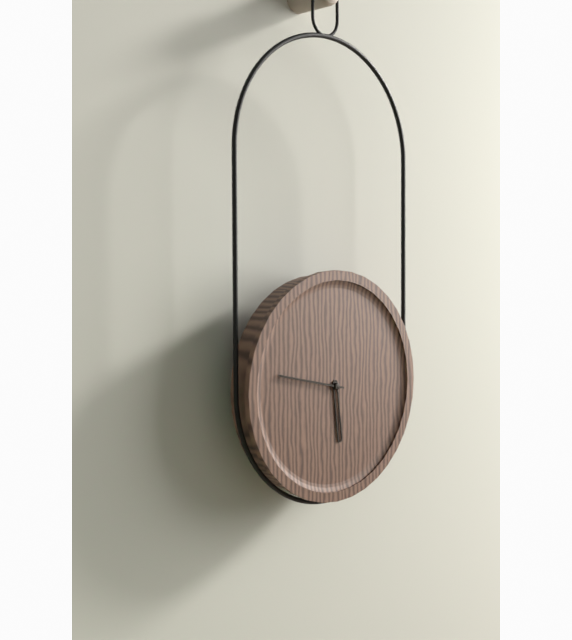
5:47
